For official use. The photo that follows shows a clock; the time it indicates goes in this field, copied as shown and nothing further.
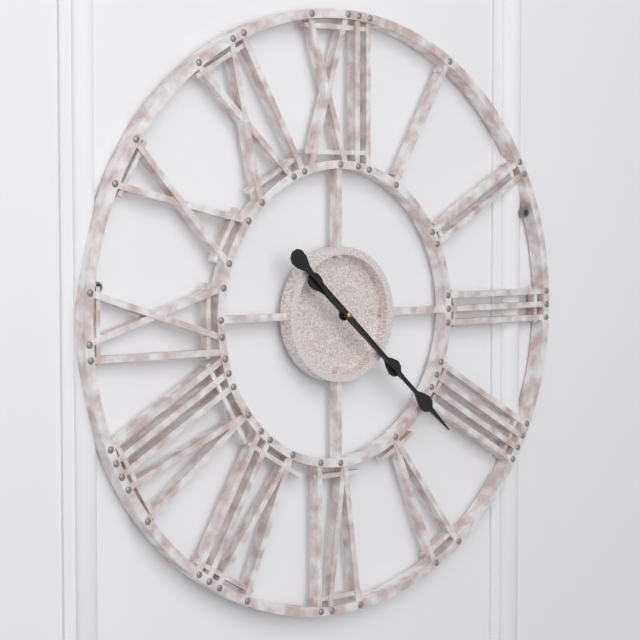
4:22
